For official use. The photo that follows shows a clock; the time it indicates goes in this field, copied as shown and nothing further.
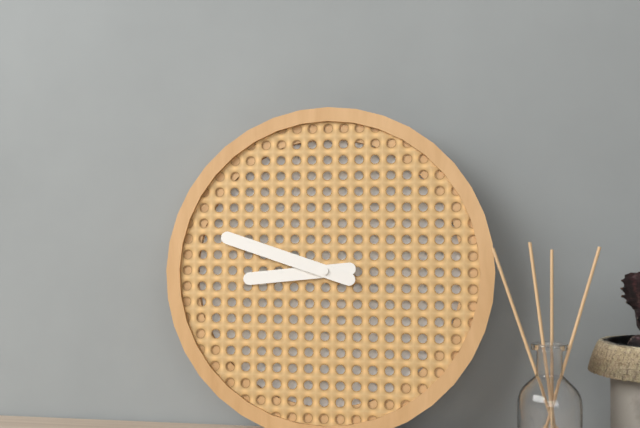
8:48
